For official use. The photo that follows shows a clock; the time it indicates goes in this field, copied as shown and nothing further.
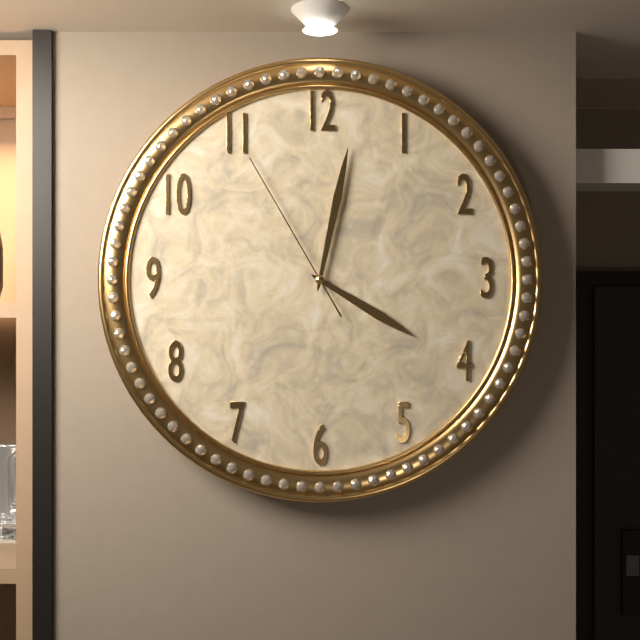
4:02:55
